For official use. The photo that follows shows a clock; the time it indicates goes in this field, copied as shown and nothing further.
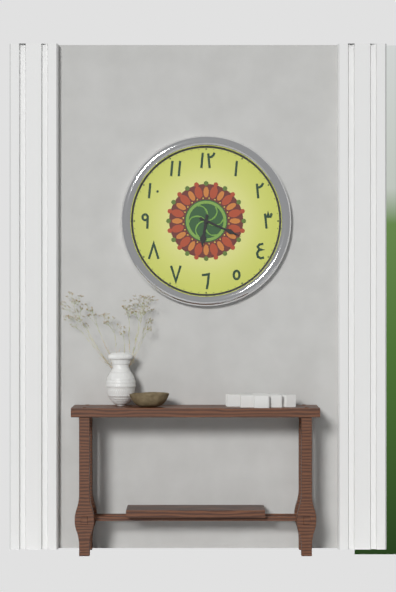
6:19
